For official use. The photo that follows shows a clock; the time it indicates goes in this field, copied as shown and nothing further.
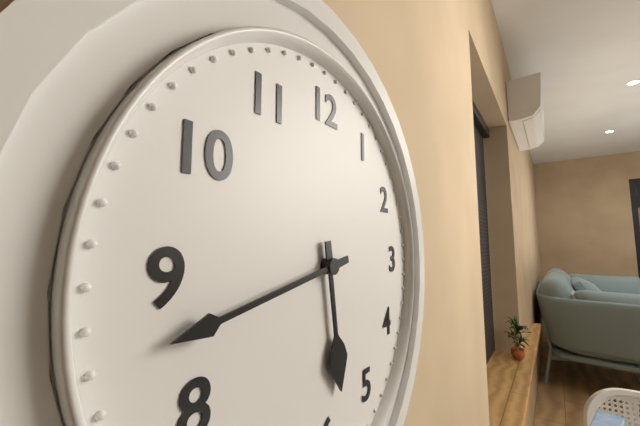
5:43
